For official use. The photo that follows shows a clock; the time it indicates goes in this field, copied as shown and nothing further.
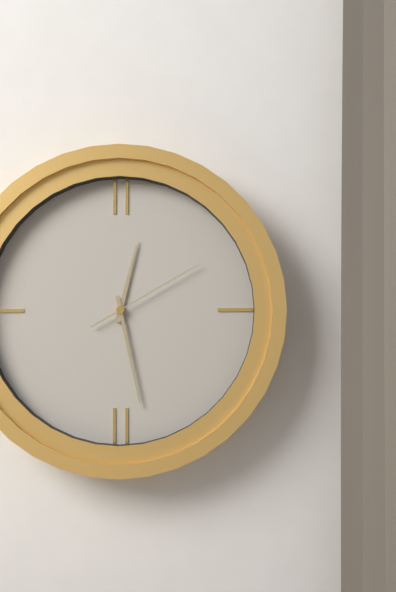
12:28:10
